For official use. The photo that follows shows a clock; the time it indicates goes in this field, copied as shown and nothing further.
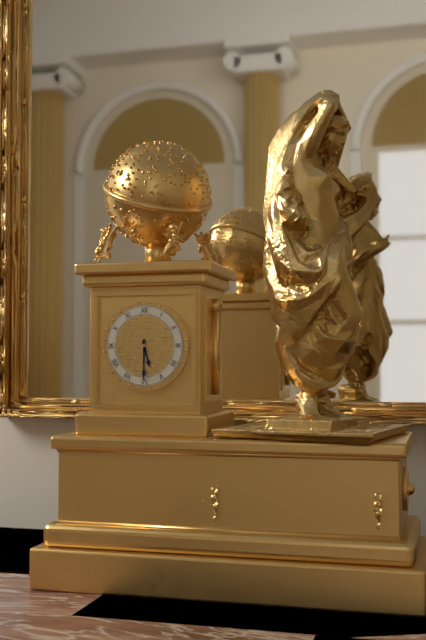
5:30
